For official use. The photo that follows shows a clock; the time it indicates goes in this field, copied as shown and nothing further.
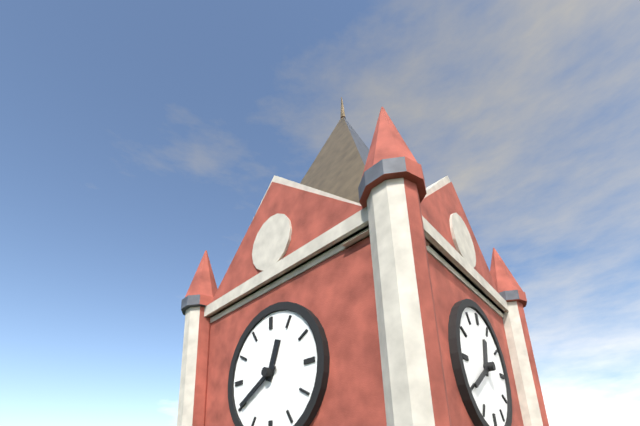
12:40
